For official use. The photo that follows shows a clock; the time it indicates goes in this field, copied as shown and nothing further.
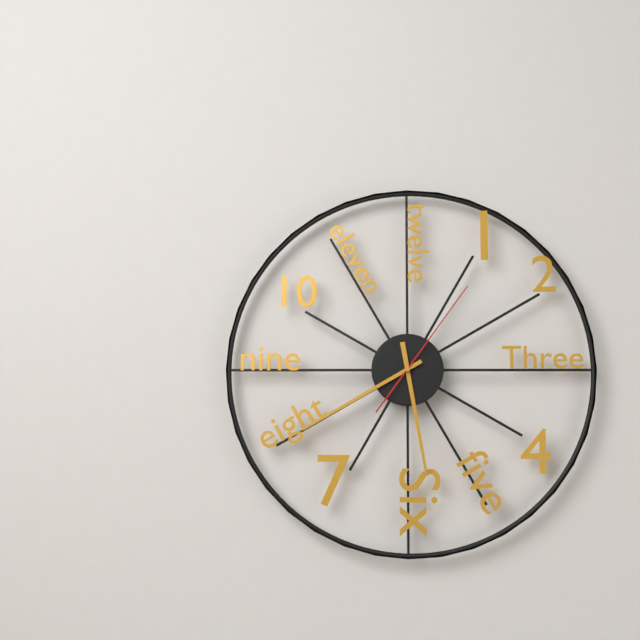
5:40:06
